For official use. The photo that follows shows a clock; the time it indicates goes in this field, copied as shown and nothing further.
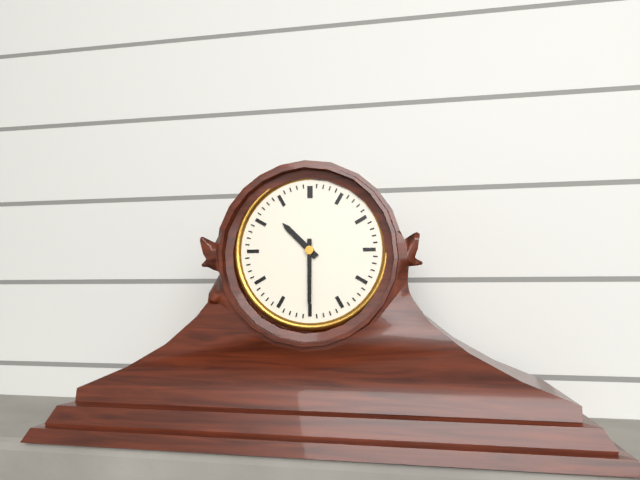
10:30
